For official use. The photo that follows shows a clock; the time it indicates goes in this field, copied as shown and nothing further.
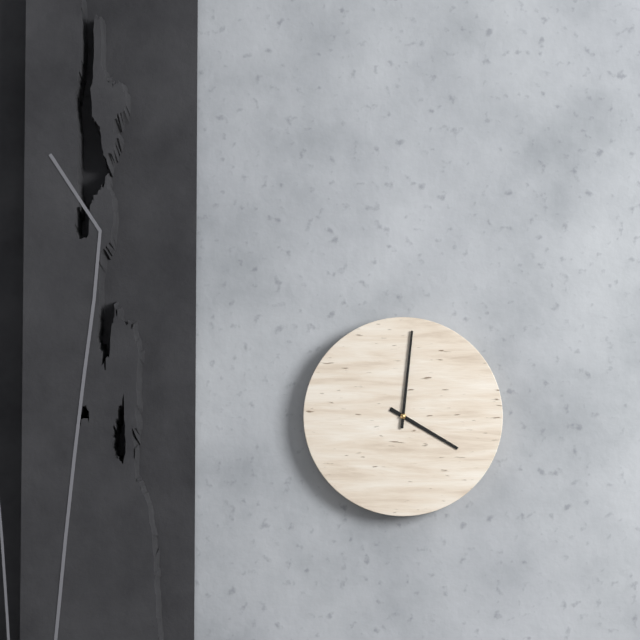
4:01
